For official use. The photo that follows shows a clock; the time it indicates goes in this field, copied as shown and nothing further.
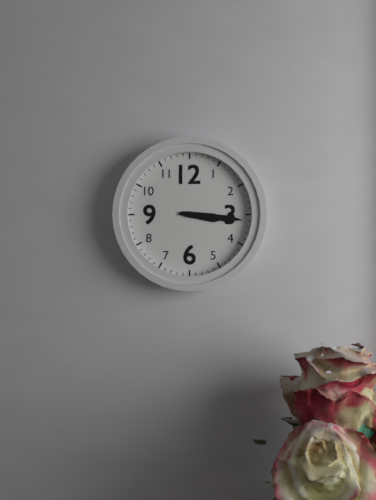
3:16
